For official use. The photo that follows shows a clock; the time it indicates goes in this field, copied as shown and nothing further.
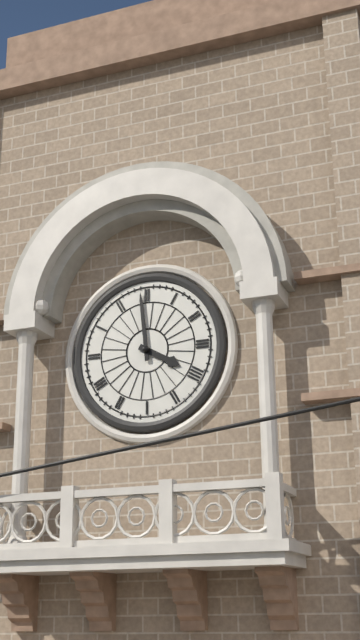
3:59
